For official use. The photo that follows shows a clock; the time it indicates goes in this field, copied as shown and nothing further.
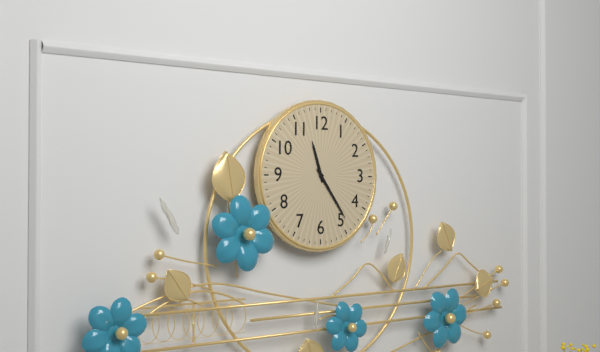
11:24
